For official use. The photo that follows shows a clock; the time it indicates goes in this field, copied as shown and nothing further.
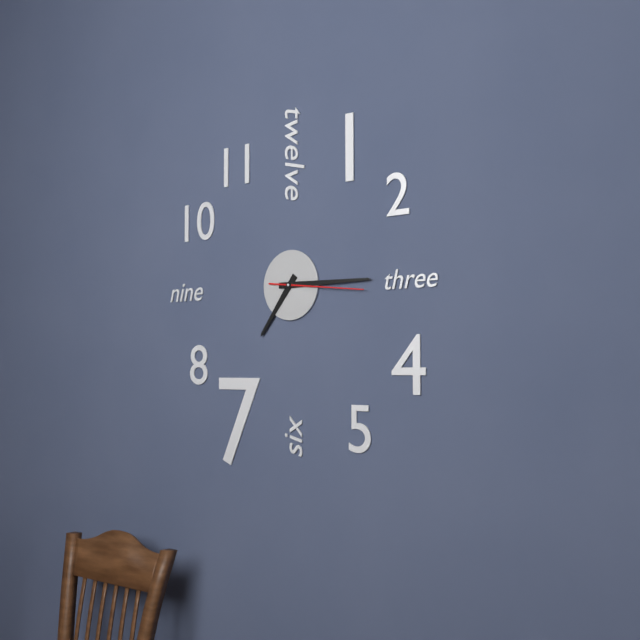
7:15:16
